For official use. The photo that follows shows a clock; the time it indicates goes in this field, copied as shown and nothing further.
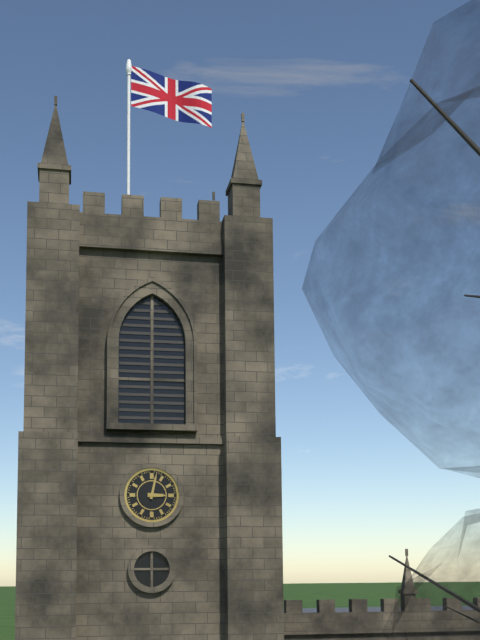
3:02
